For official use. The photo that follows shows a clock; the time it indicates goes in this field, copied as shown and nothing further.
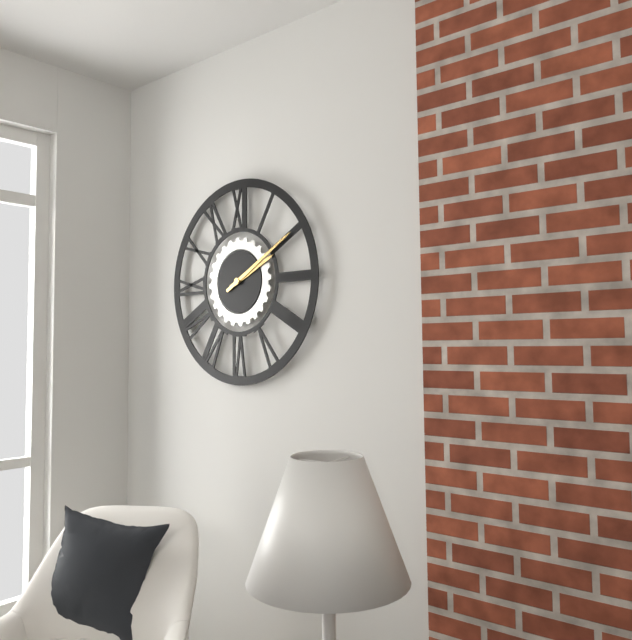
2:10
